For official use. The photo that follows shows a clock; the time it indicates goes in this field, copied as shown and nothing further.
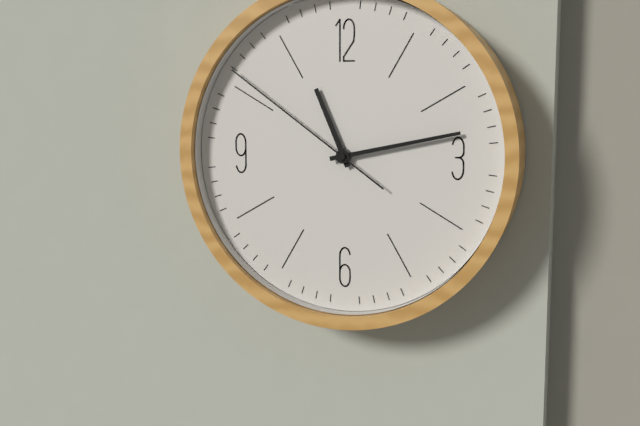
11:13:51
